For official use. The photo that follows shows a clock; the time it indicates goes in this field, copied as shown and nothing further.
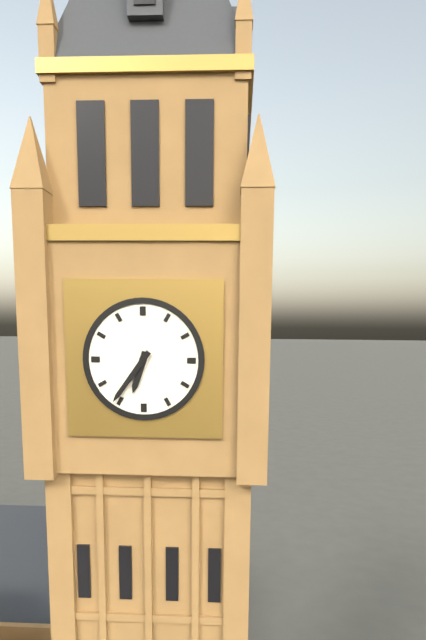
6:36
